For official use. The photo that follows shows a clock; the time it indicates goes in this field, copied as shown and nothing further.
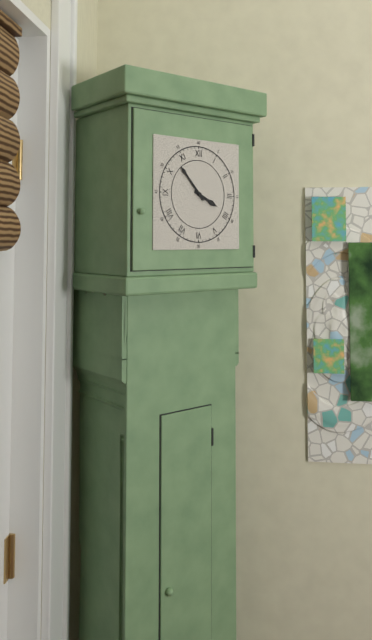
3:53
